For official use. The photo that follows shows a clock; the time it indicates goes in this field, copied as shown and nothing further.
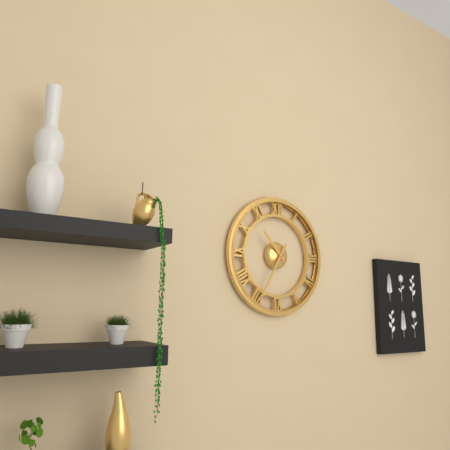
10:35
